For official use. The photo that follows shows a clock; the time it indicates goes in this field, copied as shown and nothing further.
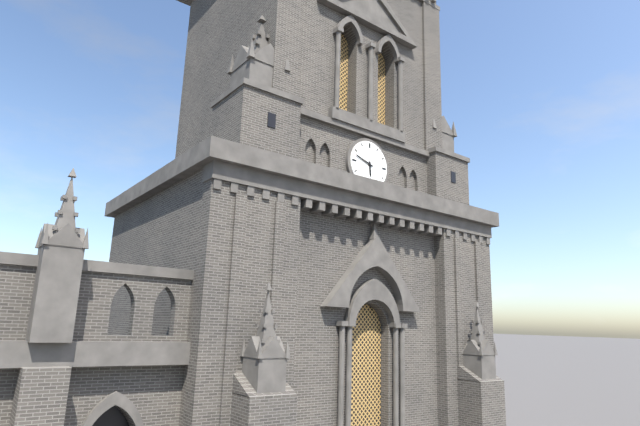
5:48
